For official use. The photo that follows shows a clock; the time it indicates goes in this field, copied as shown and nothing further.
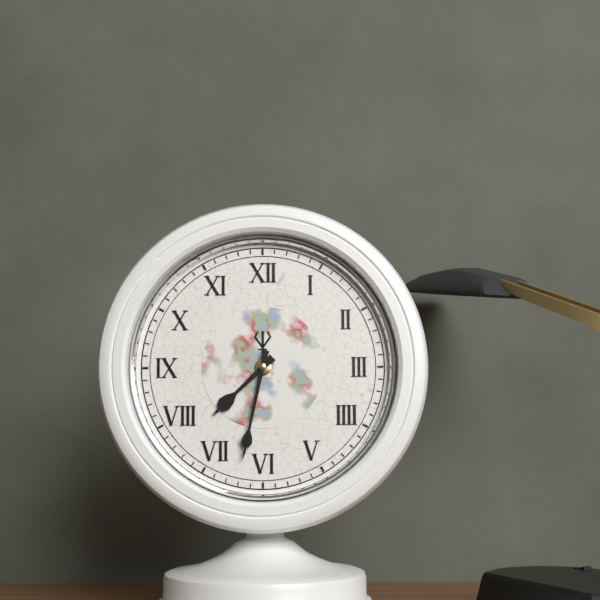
7:32
